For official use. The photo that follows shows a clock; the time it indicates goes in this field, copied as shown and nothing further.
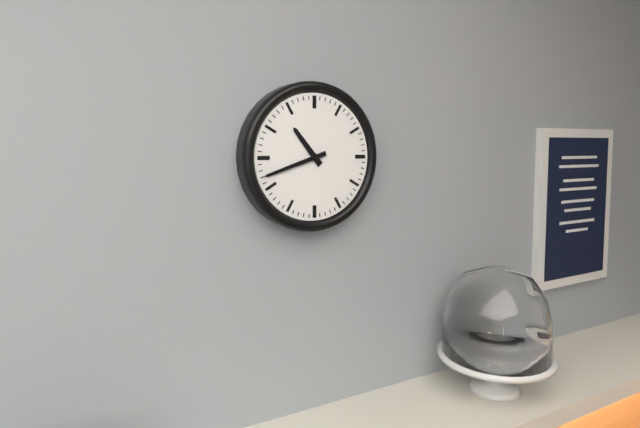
10:42
